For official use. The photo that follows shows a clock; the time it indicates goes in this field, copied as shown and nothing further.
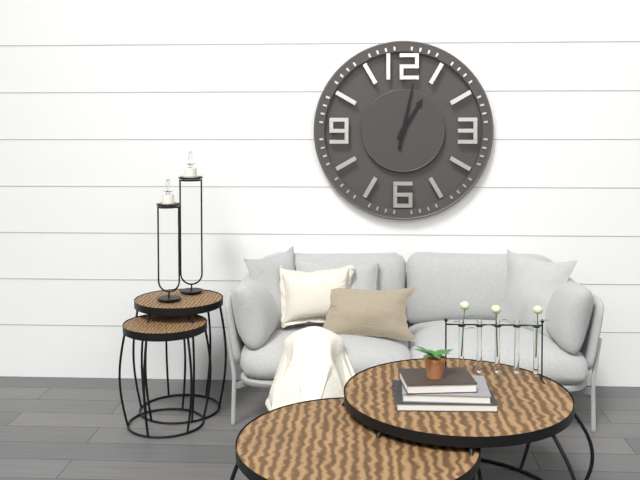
1:02
